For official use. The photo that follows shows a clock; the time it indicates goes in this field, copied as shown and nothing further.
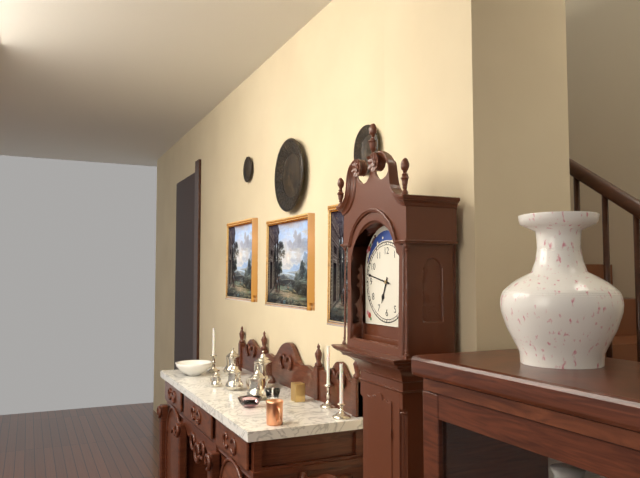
6:47
